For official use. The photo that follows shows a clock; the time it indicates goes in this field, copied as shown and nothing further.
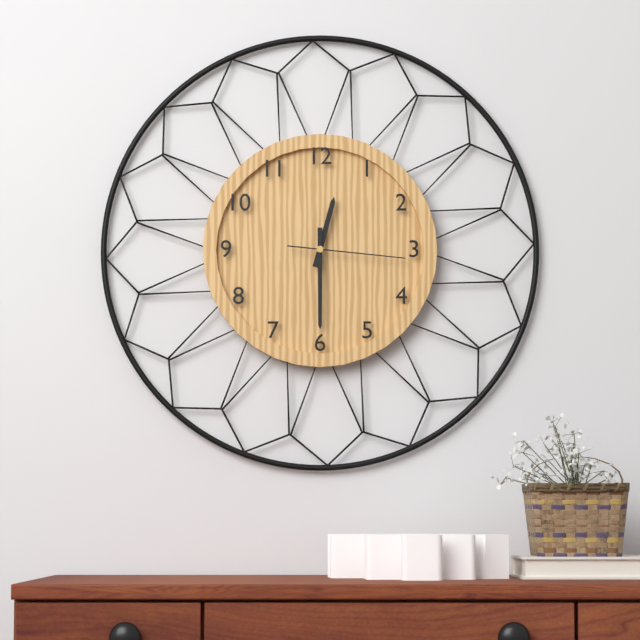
12:30:16
